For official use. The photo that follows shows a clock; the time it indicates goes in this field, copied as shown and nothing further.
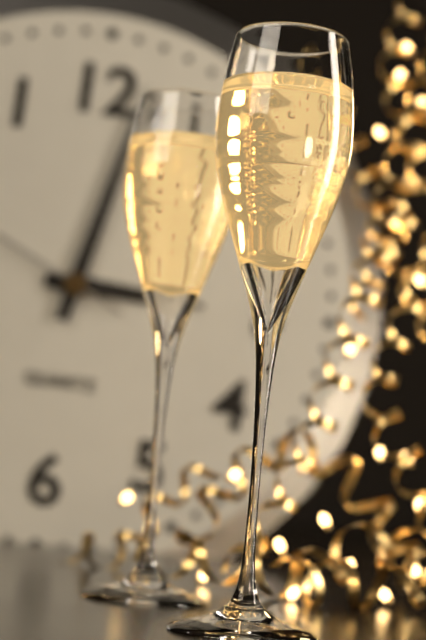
3:02
